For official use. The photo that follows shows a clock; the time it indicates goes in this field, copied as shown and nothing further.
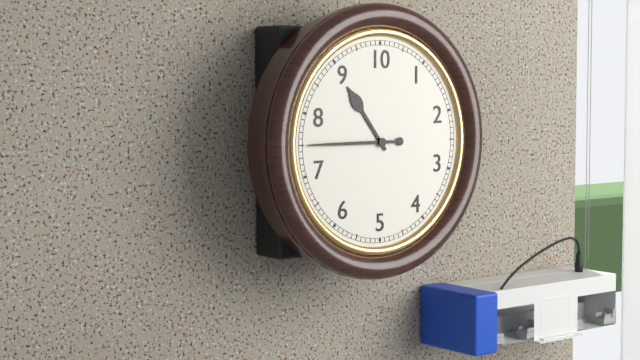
10:45
